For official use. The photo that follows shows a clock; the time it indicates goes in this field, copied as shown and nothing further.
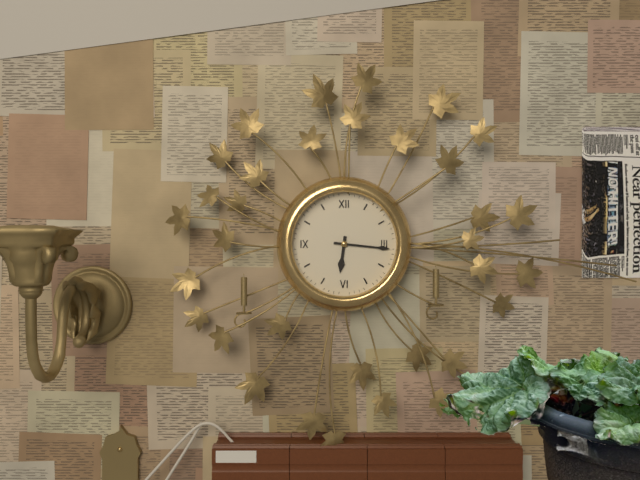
6:16
